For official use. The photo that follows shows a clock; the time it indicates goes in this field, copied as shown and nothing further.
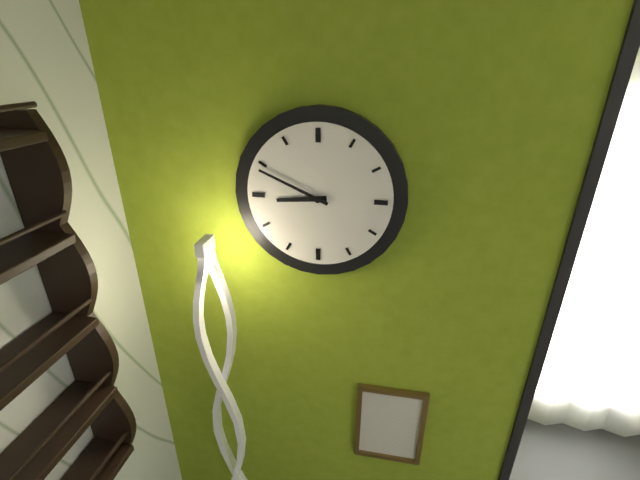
8:49
